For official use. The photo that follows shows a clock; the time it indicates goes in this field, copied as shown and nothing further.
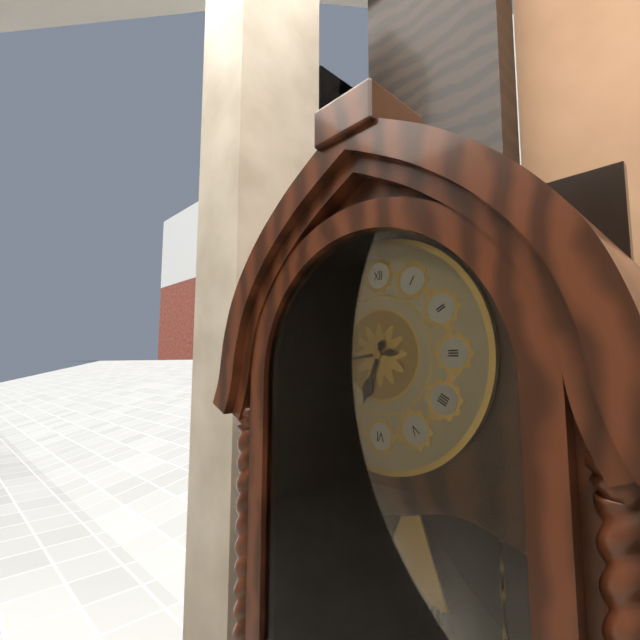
6:44
